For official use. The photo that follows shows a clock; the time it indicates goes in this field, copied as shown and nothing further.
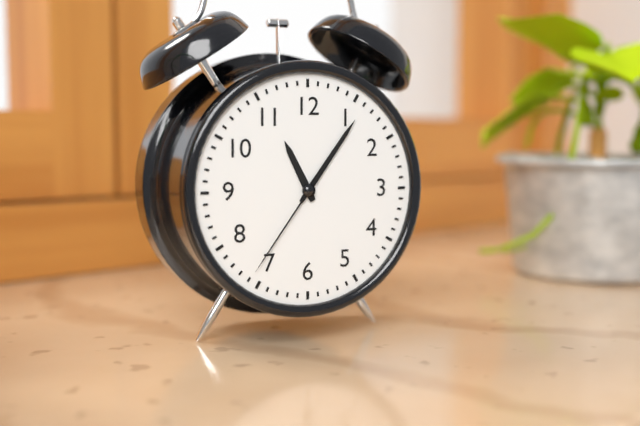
11:06:36
